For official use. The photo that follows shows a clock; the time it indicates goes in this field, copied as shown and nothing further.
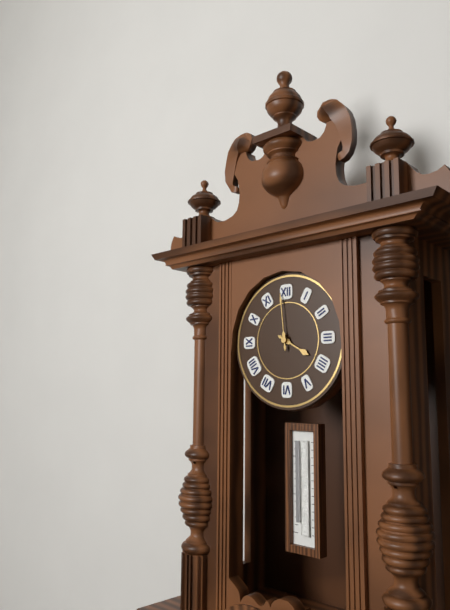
3:59
